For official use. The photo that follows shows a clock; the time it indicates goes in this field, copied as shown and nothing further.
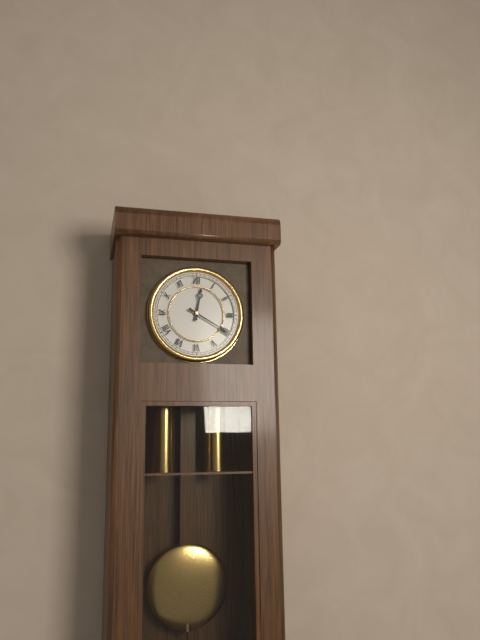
12:20
